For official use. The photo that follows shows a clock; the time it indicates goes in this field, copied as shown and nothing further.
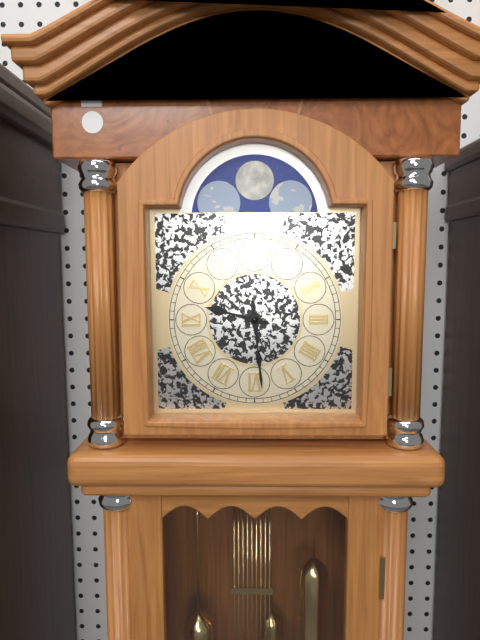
9:29
